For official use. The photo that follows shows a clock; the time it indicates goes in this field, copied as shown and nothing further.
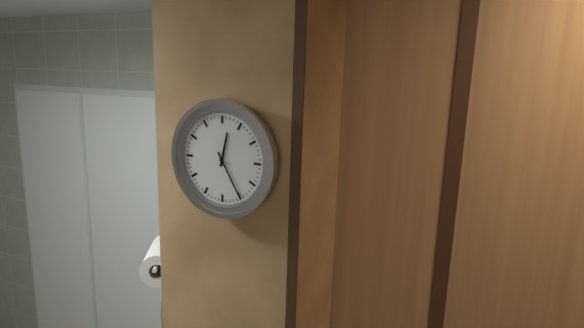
12:25
